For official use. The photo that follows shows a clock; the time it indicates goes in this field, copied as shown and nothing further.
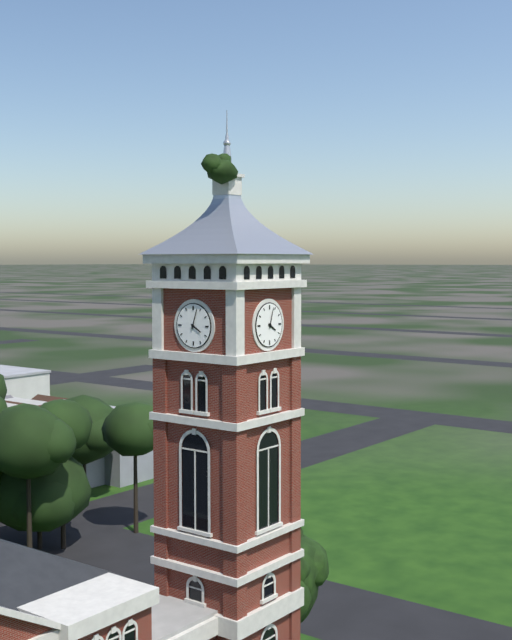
4:03
